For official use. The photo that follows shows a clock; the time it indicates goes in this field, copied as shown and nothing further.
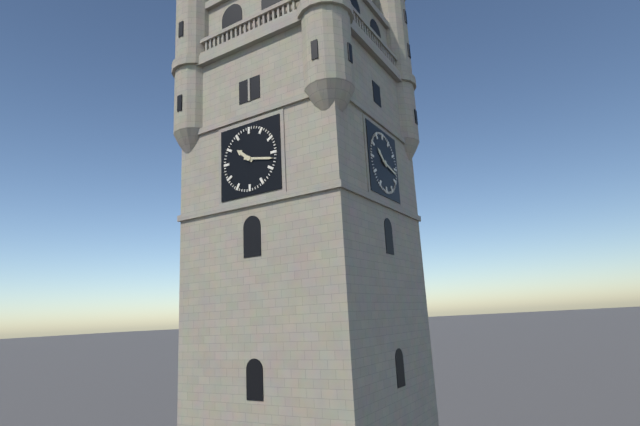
10:17
